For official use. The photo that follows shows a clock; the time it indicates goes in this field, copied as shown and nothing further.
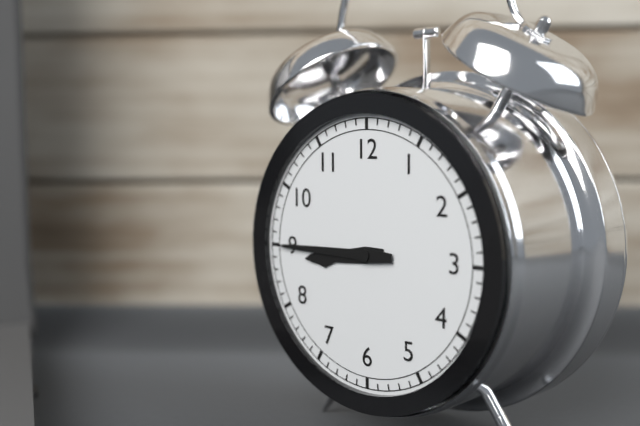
8:45
